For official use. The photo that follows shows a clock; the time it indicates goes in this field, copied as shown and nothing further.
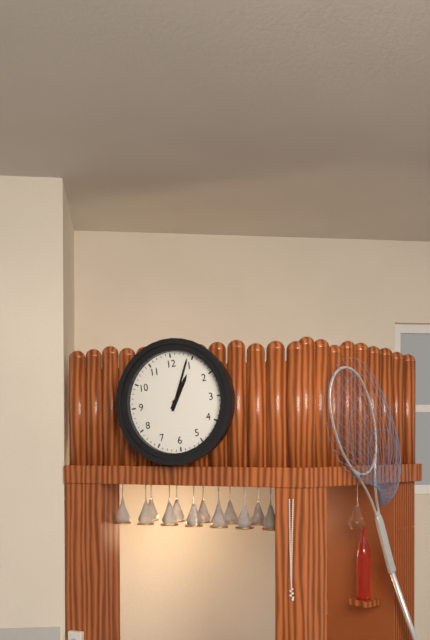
1:04
